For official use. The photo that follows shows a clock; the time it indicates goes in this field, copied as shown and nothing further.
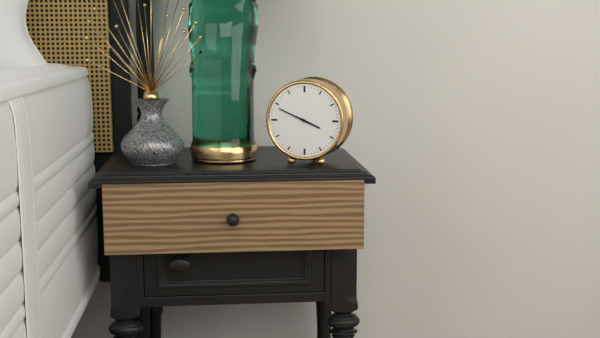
3:49
